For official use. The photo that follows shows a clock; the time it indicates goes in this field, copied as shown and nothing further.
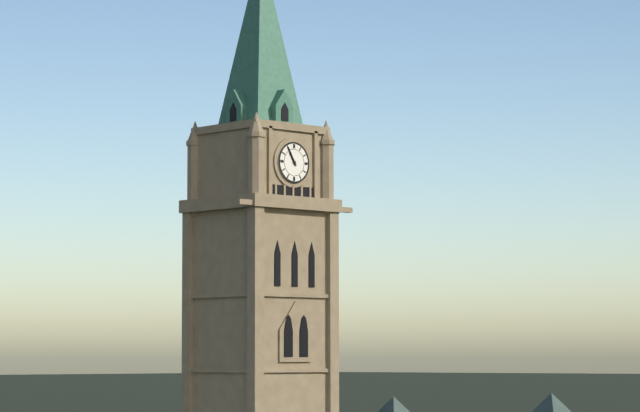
10:55
